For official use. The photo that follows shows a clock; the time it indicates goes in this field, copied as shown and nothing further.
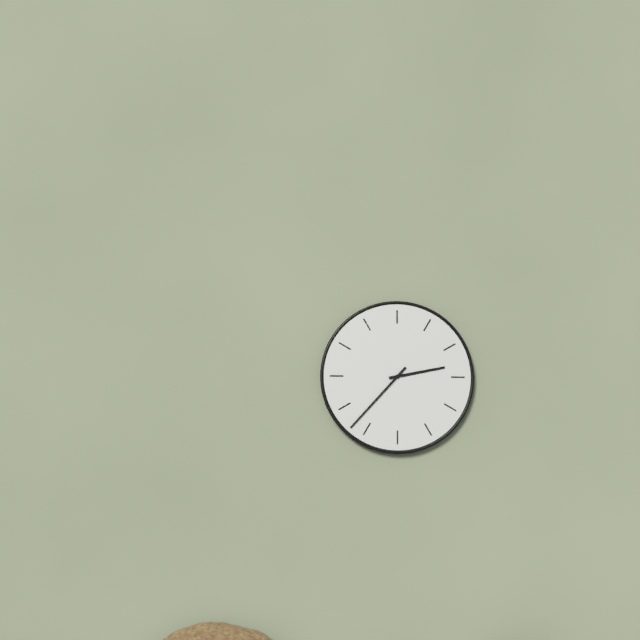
2:37
